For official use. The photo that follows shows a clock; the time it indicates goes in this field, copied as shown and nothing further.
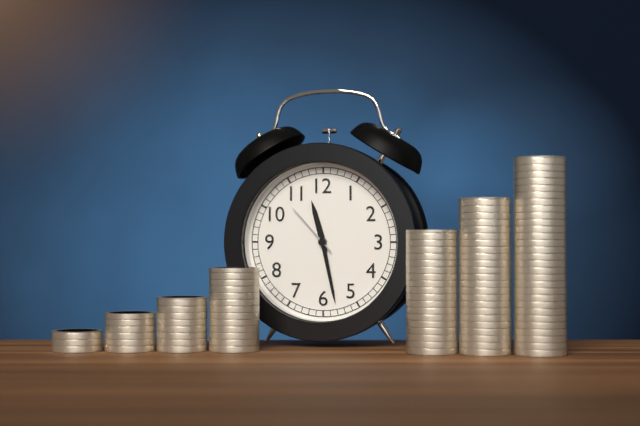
11:28:53
